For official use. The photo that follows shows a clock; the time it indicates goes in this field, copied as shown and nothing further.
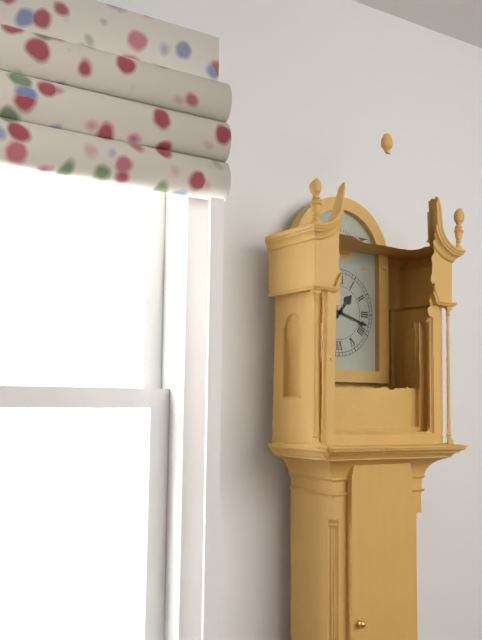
1:18
